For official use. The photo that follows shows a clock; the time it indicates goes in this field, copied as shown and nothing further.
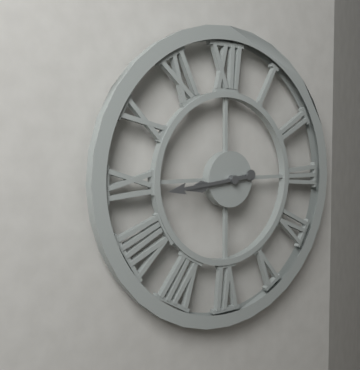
8:44
